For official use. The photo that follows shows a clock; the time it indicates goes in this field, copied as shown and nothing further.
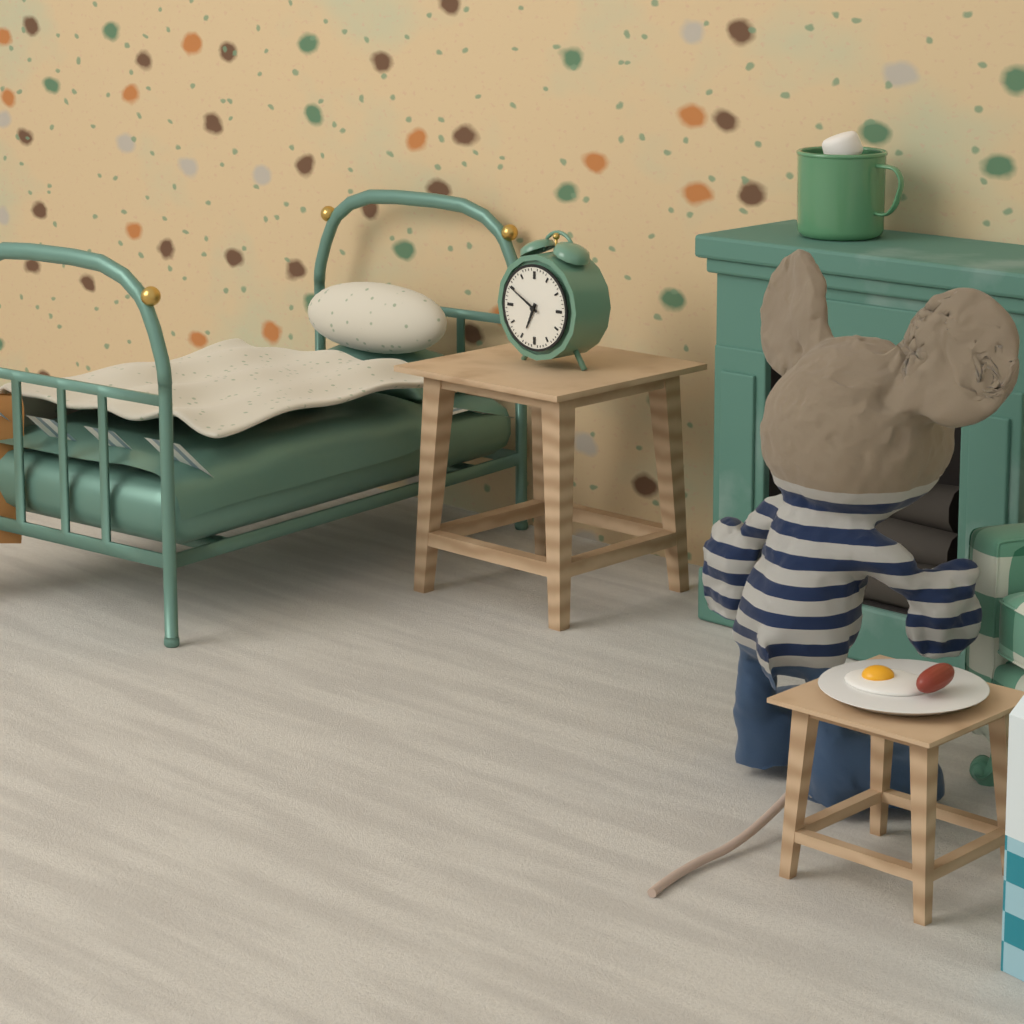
6:50
